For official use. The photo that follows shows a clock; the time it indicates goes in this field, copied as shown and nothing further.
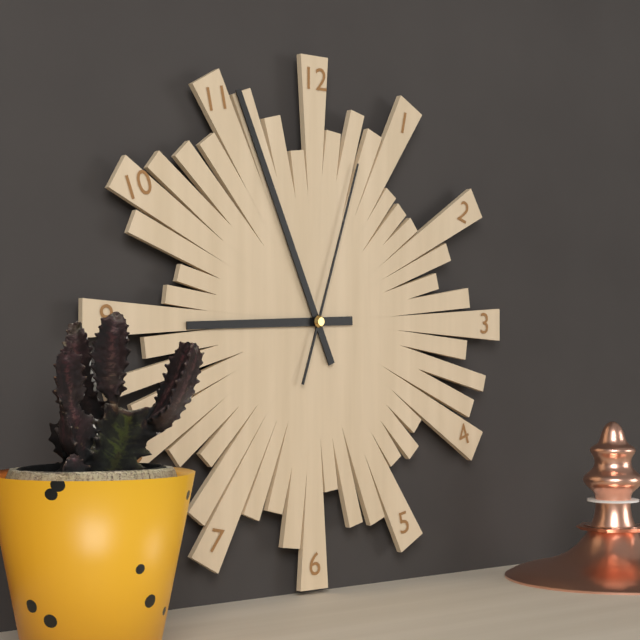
8:56:03
